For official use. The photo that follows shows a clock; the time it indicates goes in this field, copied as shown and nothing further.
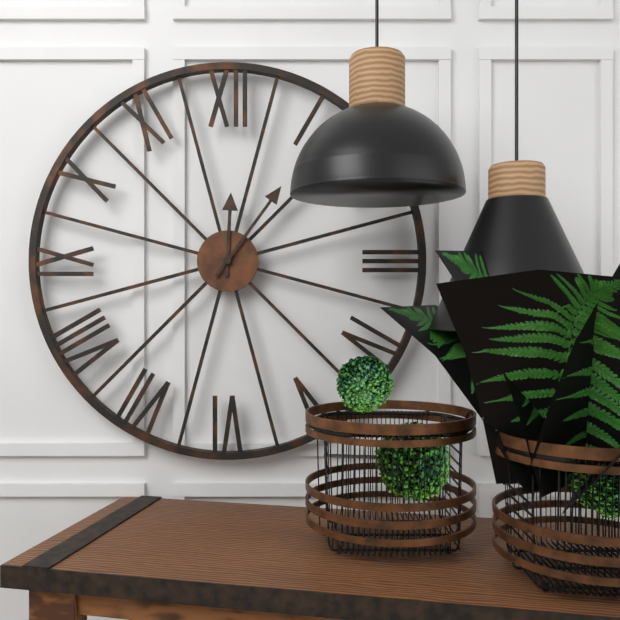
12:06
